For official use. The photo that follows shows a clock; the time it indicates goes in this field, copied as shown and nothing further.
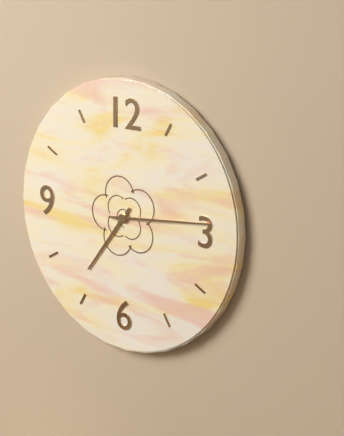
7:14
